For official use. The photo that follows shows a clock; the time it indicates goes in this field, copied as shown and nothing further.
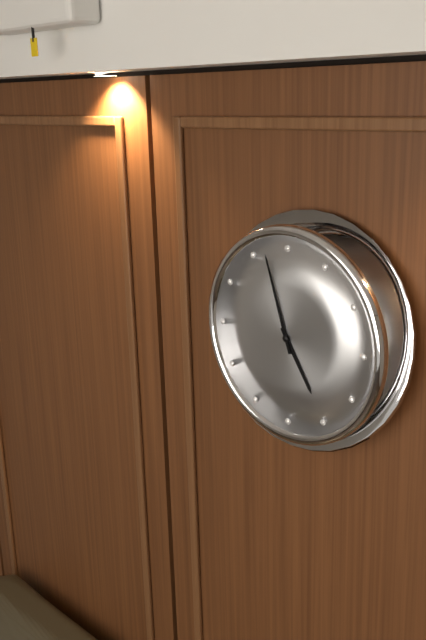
4:57
